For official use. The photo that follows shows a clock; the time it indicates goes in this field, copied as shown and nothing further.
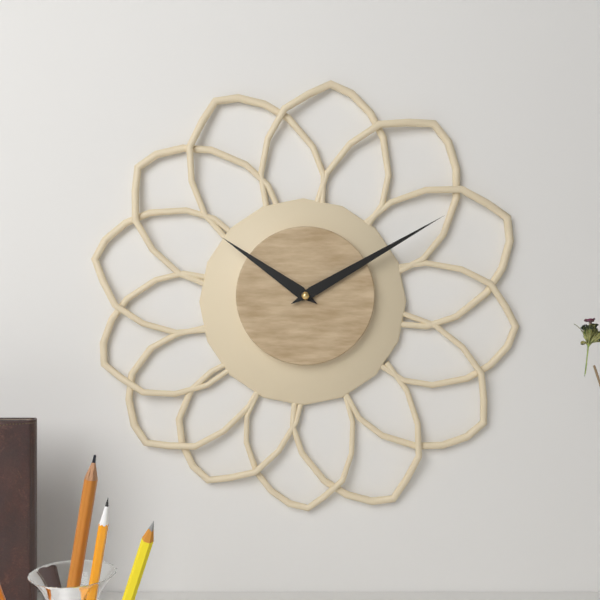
10:10
